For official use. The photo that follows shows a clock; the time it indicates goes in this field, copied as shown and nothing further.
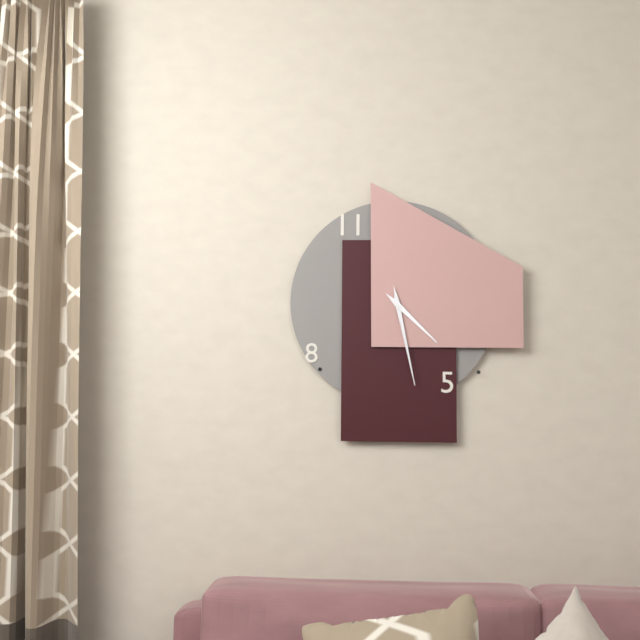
4:28:28
